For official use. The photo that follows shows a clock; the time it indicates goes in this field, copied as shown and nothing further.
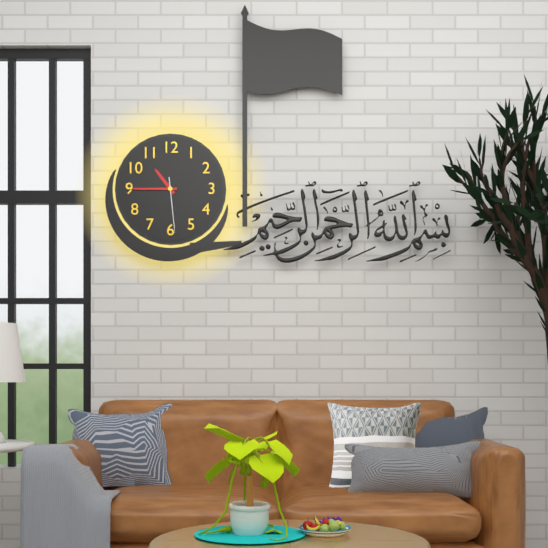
10:45:29
